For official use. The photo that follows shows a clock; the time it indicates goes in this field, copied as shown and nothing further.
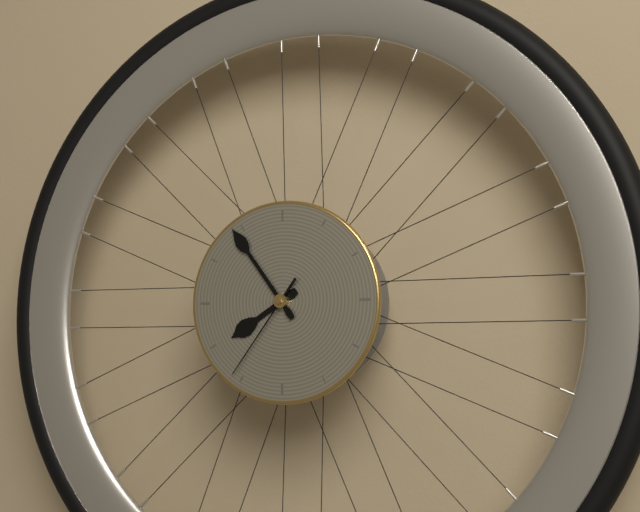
7:54:36
